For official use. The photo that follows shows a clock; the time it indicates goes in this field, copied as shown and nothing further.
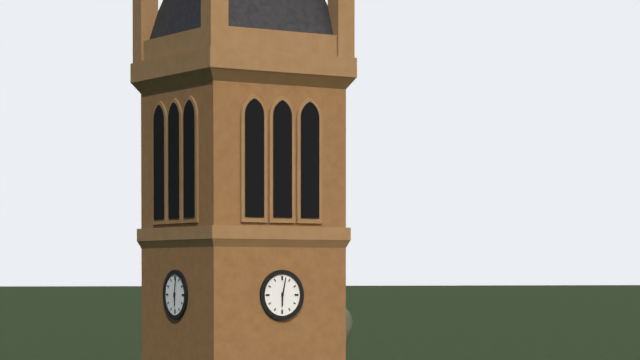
6:02
